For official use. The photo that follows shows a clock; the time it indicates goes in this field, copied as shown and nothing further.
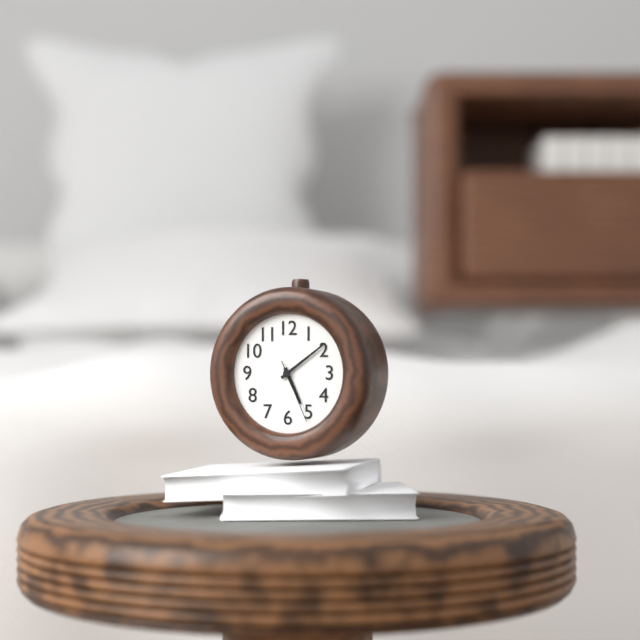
5:09:26
